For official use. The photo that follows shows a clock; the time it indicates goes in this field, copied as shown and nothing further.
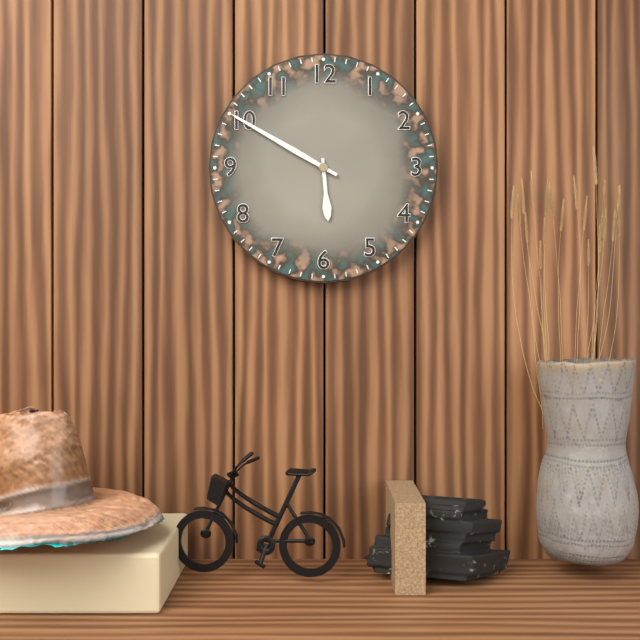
5:50
